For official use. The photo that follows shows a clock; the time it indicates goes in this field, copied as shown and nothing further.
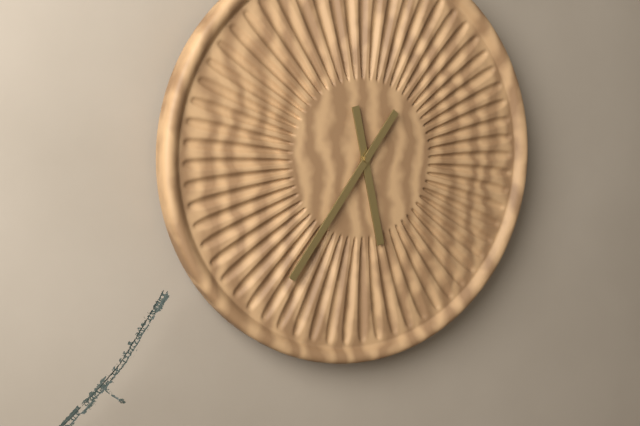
5:36
